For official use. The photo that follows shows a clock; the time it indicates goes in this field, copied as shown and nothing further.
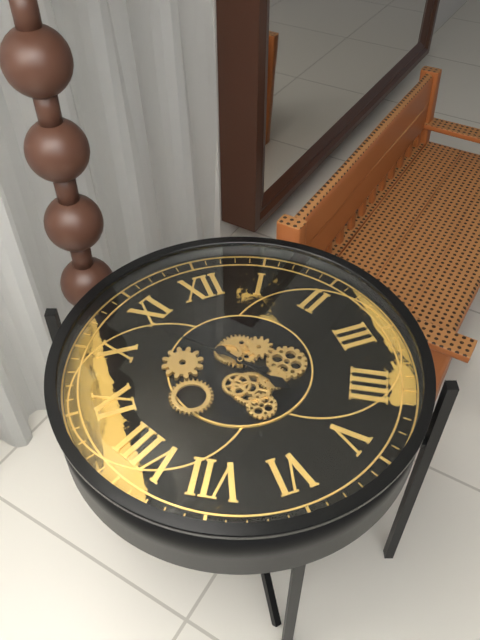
4:53
